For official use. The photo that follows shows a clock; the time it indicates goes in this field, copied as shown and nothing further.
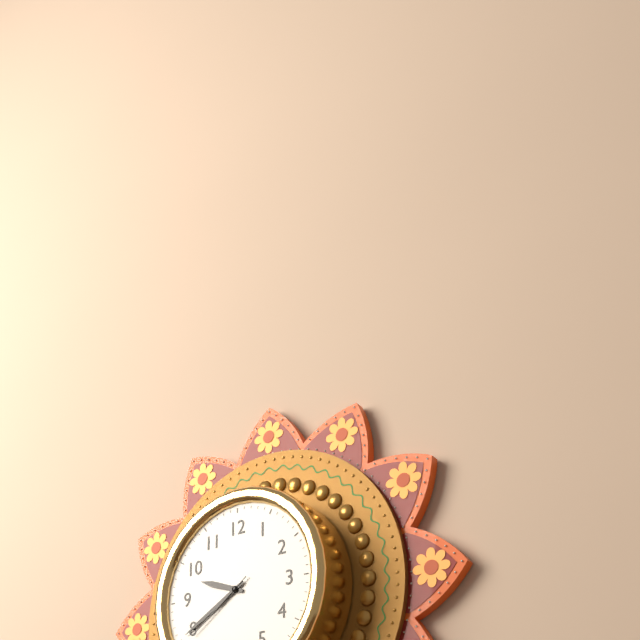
9:40:39
